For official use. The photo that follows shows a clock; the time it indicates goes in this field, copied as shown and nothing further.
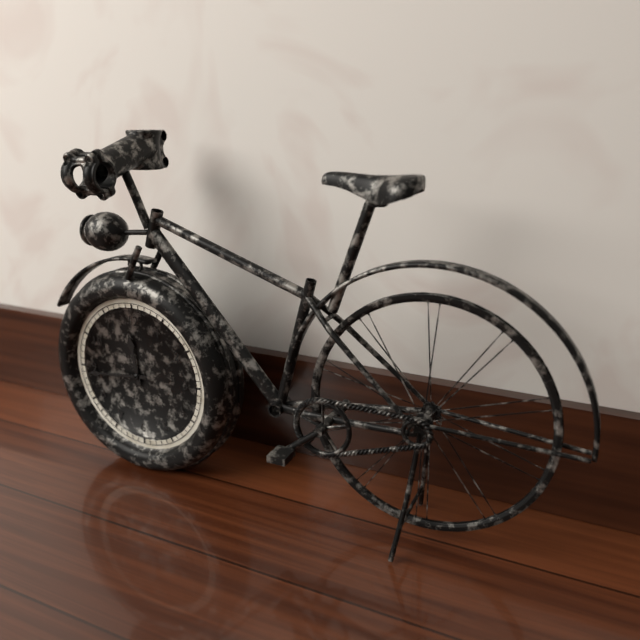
11:44
